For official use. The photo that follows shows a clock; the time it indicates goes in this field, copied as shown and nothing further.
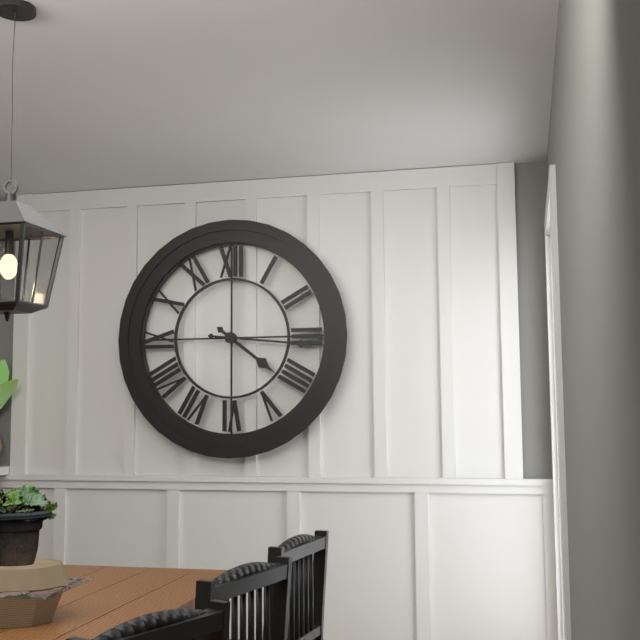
4:16
